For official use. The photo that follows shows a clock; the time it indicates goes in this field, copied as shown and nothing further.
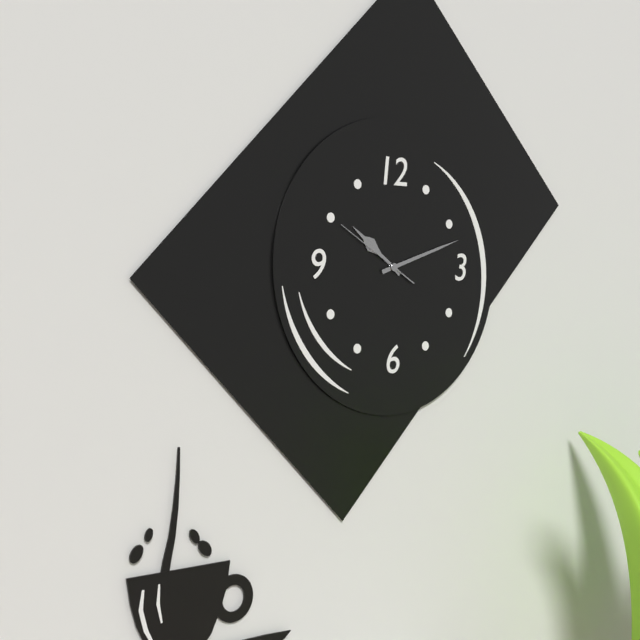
10:12:50
